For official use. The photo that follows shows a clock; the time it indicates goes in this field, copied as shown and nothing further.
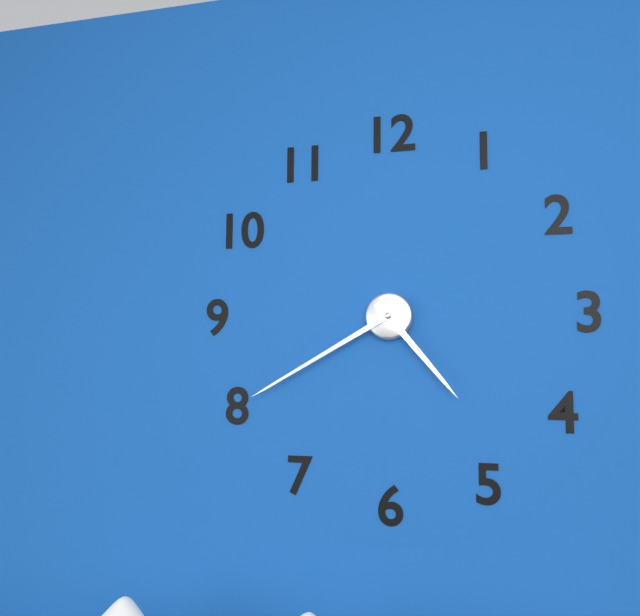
4:40
